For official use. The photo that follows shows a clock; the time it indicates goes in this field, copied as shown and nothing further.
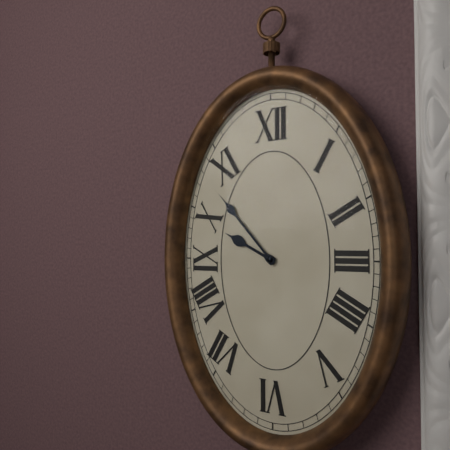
9:53
